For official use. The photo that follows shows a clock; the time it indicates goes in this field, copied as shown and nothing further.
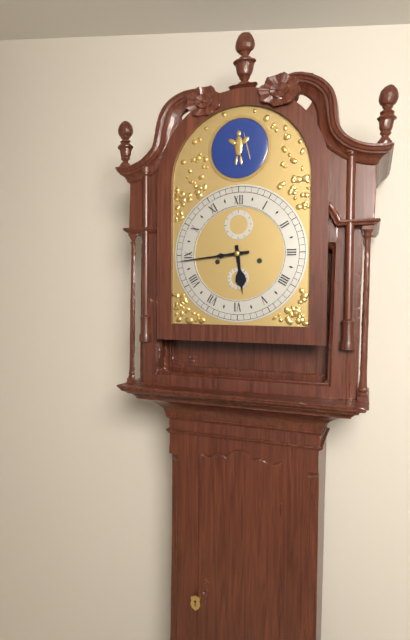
5:44
